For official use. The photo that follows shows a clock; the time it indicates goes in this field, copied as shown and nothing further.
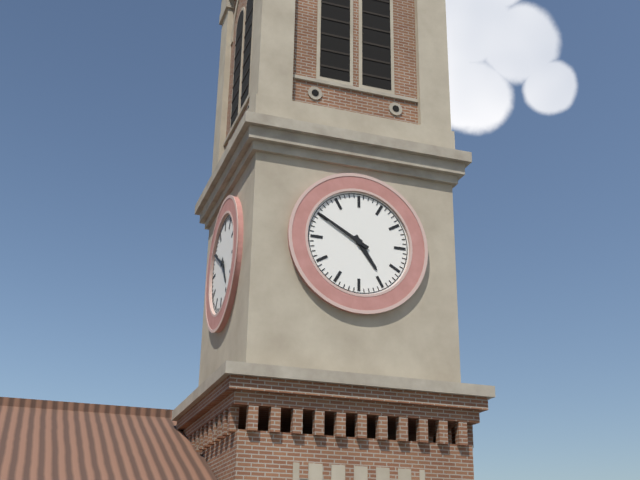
4:50
